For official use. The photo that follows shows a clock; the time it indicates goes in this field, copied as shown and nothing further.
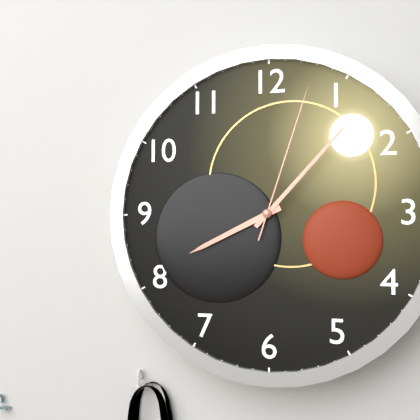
8:07:03
